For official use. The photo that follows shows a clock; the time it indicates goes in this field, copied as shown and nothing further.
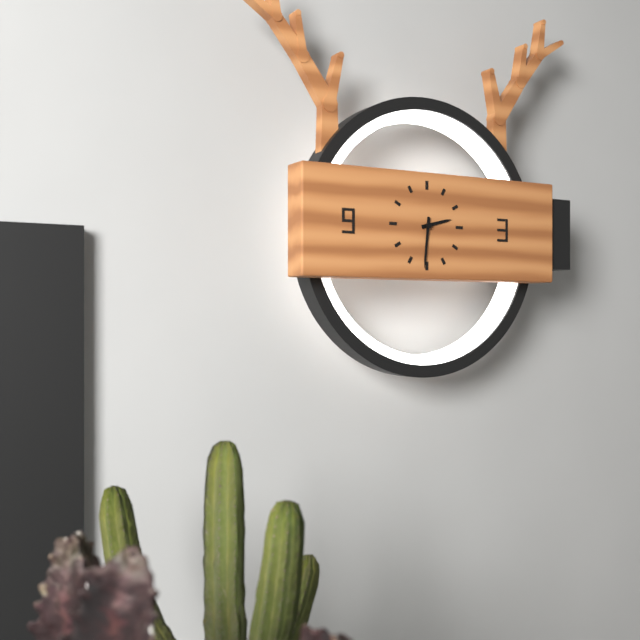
2:31
